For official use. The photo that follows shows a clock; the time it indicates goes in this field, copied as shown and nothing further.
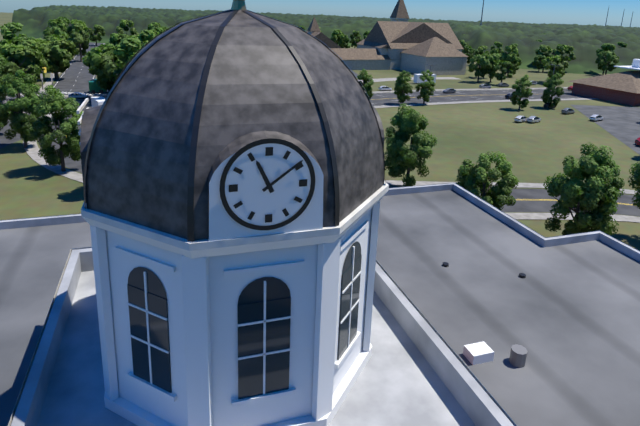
11:09
